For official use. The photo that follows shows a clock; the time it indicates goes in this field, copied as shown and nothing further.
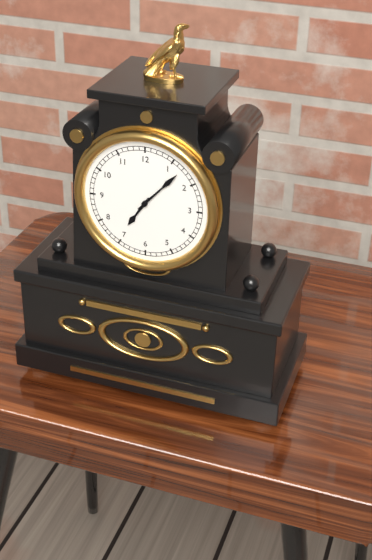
7:07
